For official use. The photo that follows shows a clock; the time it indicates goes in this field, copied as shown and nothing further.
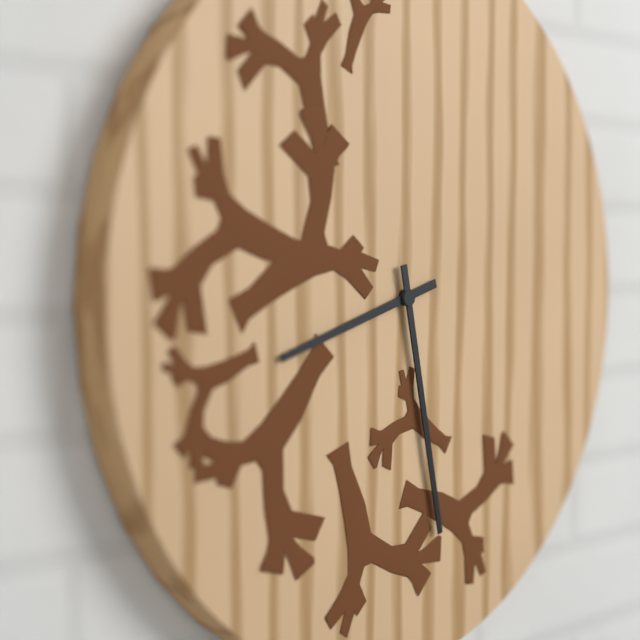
8:28
